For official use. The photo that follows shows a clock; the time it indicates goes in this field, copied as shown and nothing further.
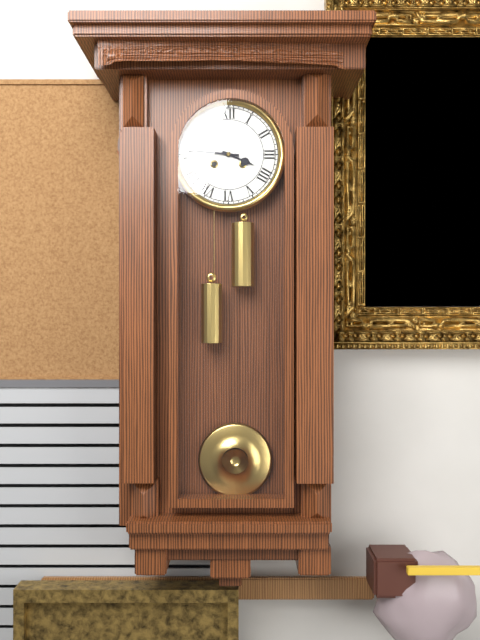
3:46
